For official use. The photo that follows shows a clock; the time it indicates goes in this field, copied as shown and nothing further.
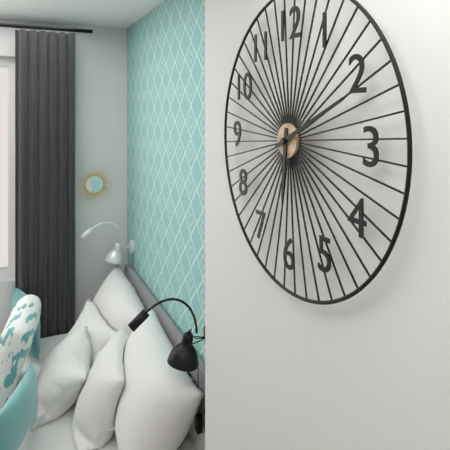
6:11
